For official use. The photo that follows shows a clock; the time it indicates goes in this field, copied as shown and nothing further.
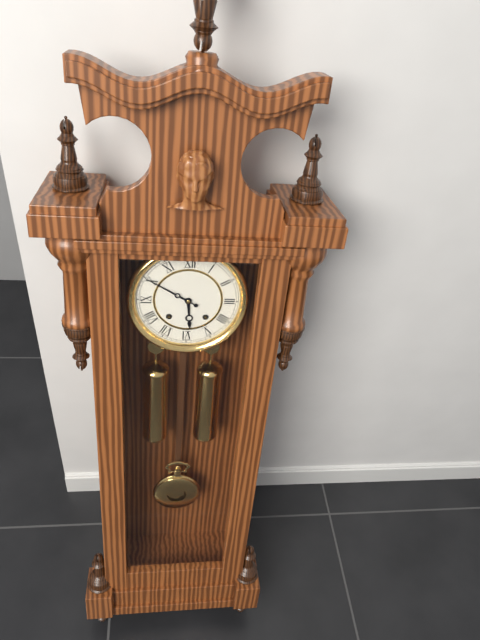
5:50
